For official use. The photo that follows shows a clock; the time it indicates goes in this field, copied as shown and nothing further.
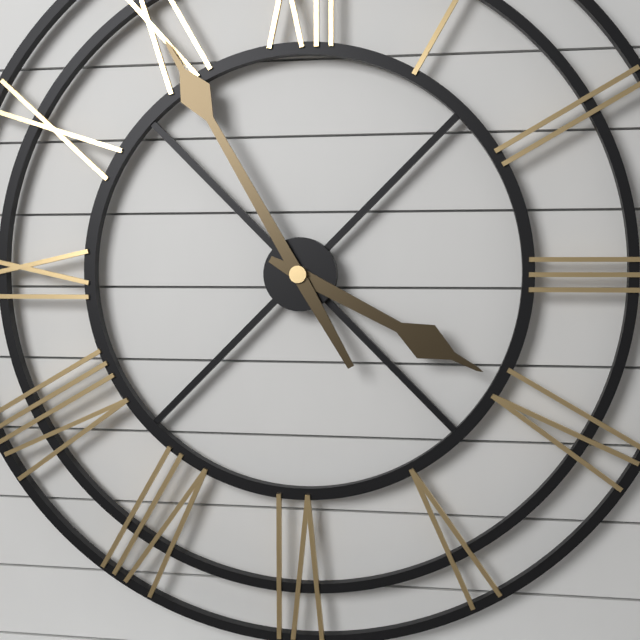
3:55
